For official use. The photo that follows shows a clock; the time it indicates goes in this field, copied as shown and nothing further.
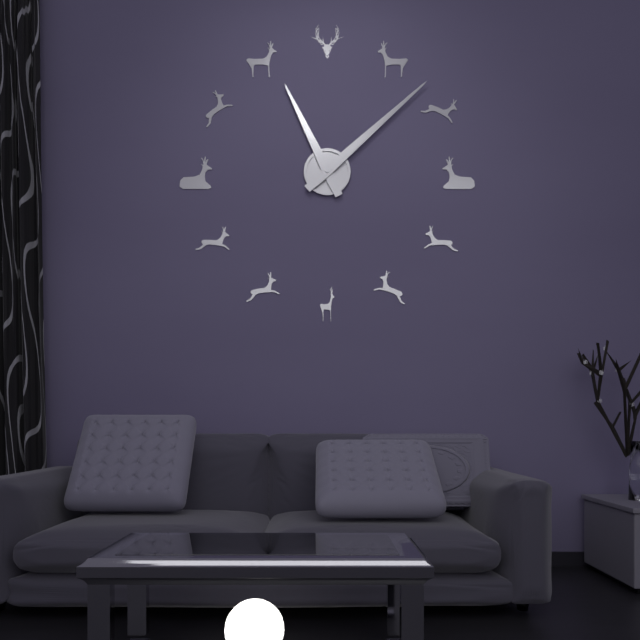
11:08
